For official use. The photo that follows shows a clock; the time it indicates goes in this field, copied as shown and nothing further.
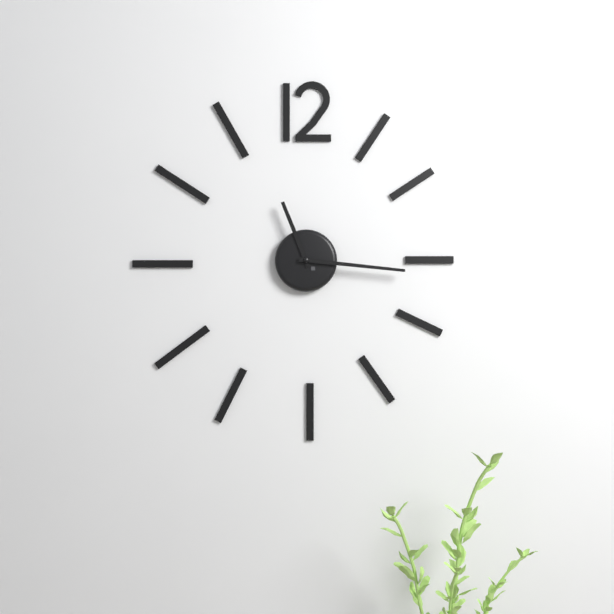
11:16
